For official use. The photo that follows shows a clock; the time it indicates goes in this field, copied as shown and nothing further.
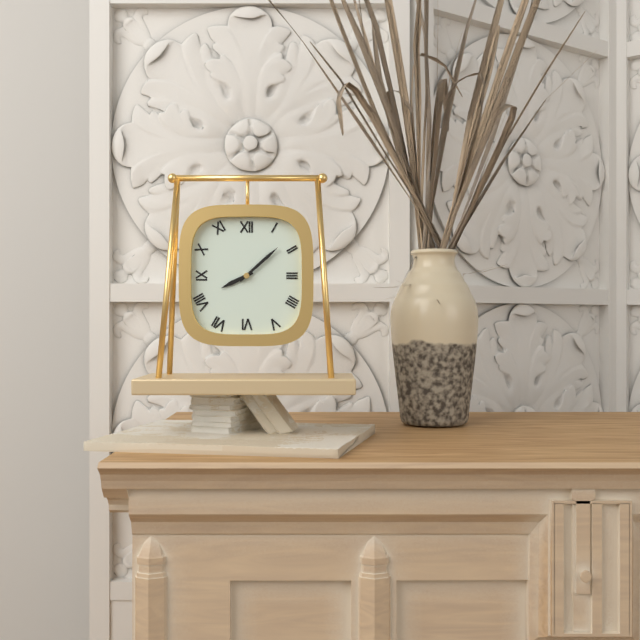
8:08
